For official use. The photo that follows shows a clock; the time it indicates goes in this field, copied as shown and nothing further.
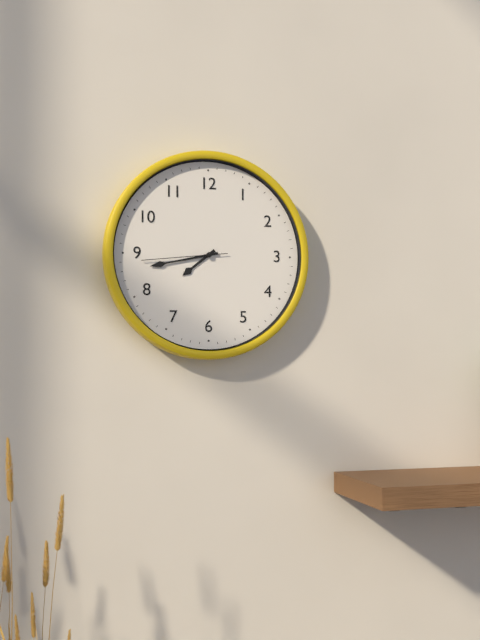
7:43:44
